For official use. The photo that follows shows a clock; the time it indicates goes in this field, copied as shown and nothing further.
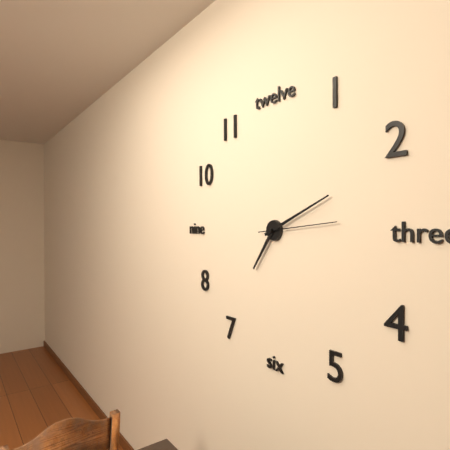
7:11:14
